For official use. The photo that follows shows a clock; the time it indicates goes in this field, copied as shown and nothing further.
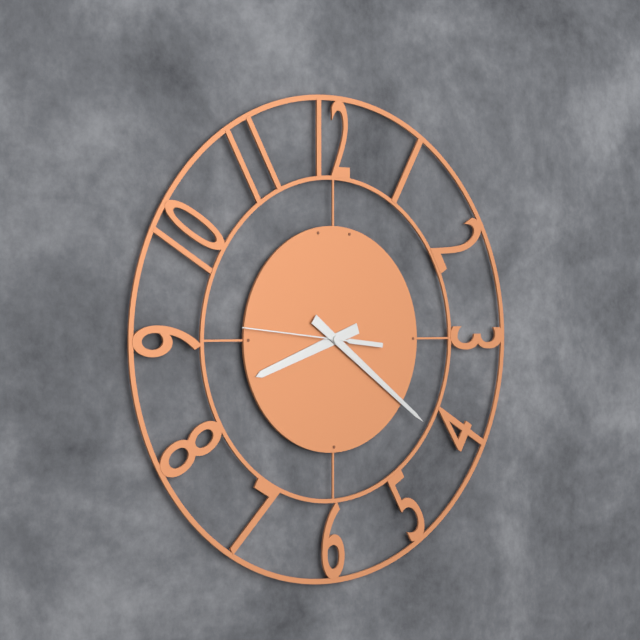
8:21:46
